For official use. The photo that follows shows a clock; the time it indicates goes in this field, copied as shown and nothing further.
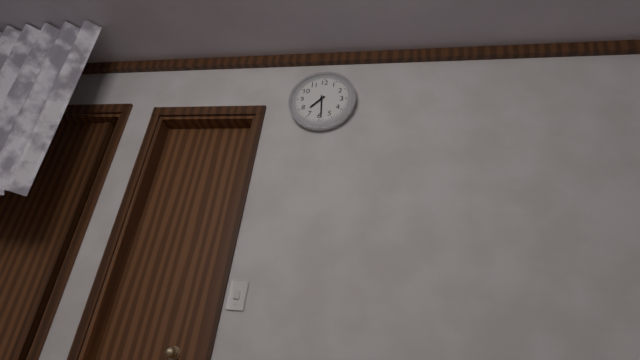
7:29
